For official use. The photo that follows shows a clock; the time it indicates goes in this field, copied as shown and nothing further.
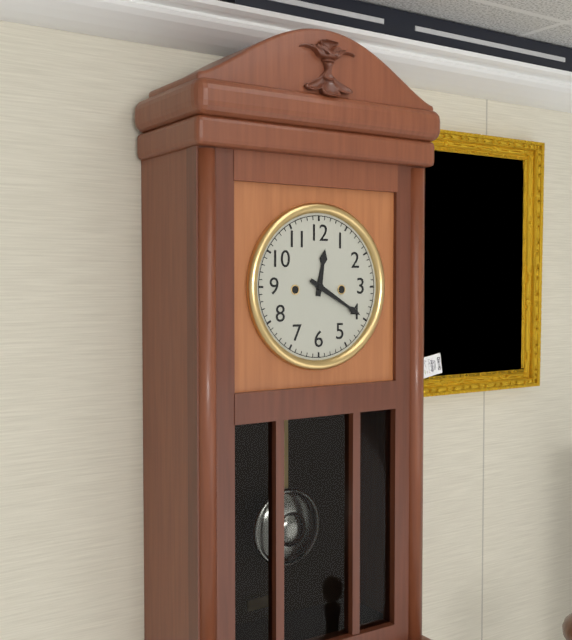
12:20
